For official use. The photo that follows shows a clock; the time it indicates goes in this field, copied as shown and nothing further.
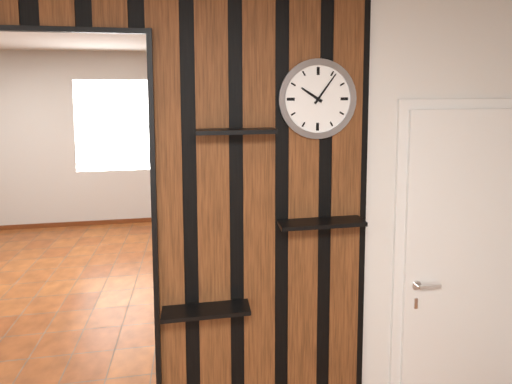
10:06
